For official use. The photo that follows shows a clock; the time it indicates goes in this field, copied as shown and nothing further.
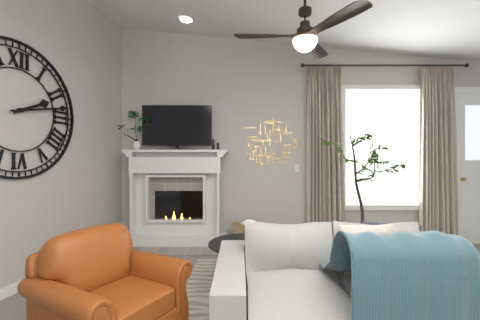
2:13
